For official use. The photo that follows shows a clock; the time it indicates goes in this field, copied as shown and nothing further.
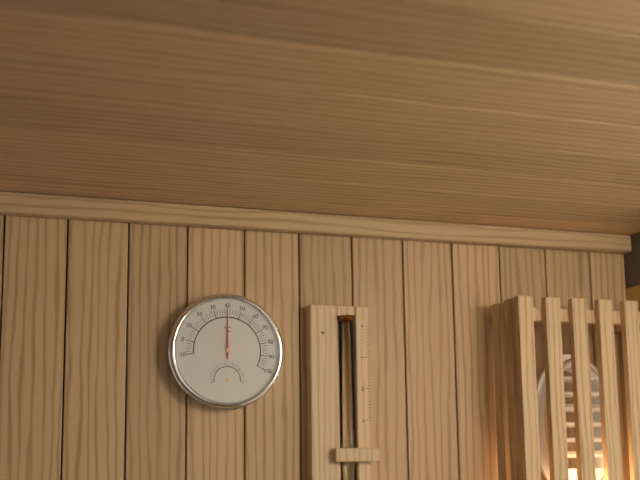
12:00
